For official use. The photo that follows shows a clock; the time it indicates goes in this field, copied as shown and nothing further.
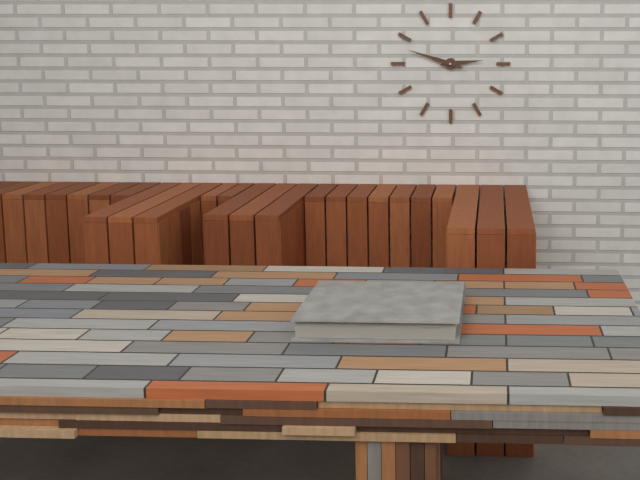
2:48
